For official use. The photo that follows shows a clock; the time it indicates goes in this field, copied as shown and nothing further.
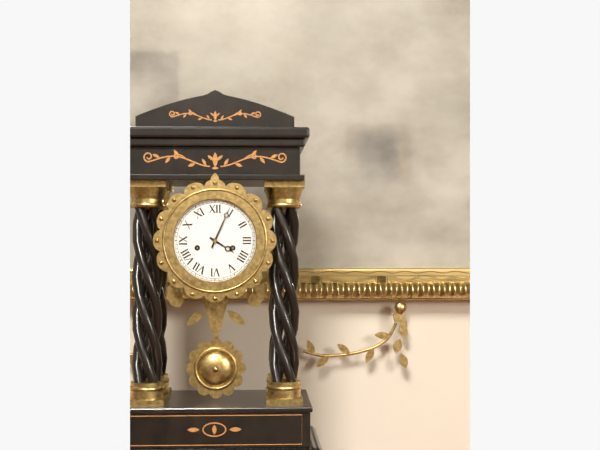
4:04
